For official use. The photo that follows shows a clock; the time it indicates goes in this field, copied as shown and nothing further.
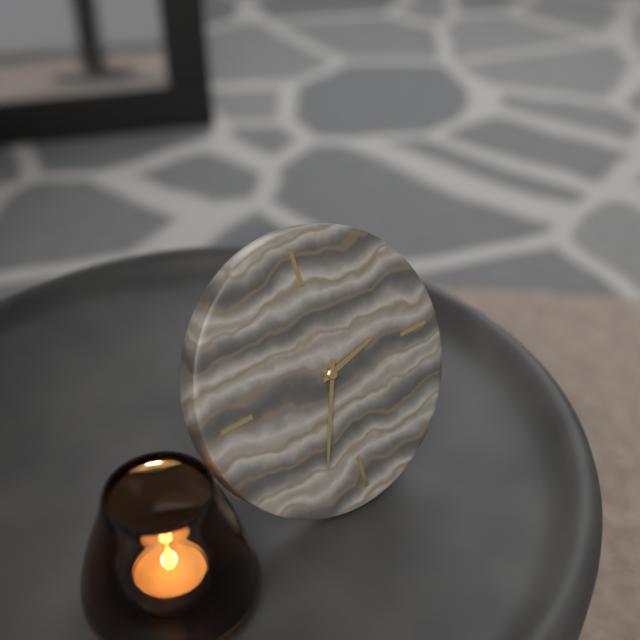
2:34
